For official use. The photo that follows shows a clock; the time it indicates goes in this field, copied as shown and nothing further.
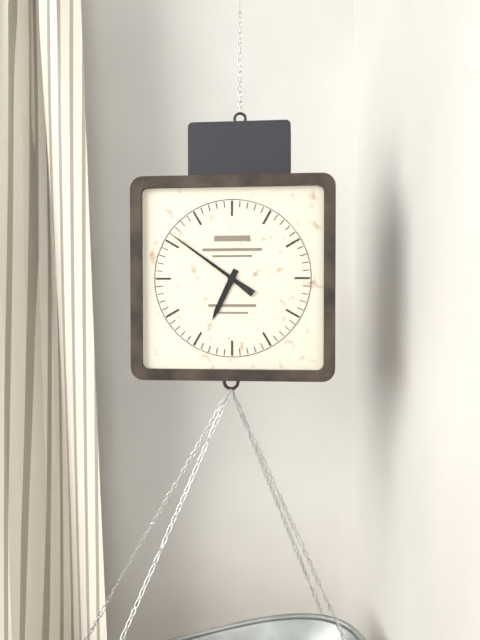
6:51
